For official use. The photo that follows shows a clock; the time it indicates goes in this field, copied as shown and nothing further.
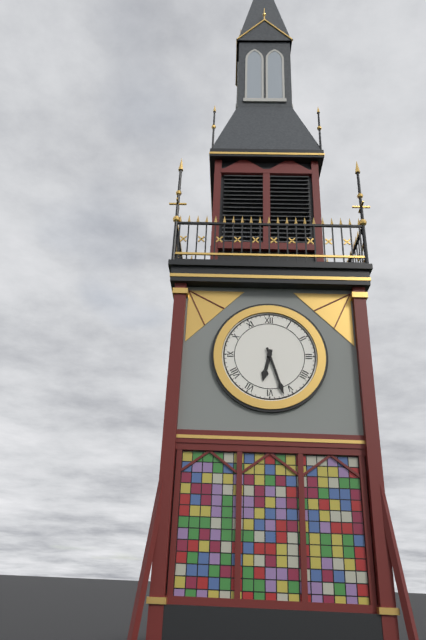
6:27
